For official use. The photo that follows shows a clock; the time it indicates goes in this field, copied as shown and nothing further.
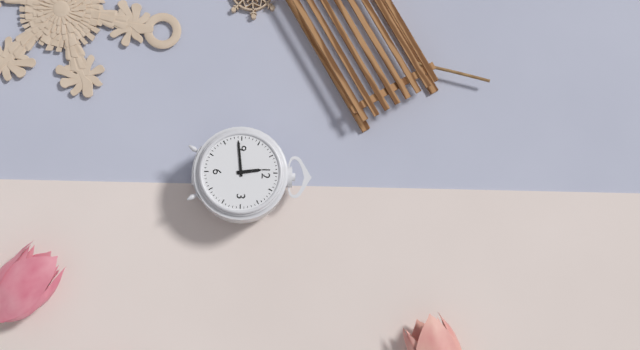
11:44
